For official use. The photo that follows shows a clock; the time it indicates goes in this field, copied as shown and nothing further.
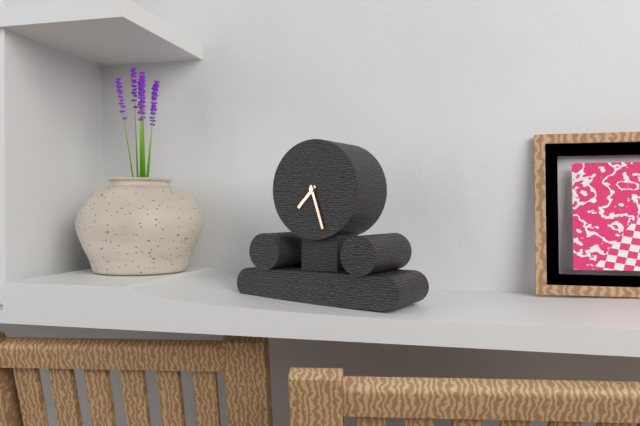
7:27
